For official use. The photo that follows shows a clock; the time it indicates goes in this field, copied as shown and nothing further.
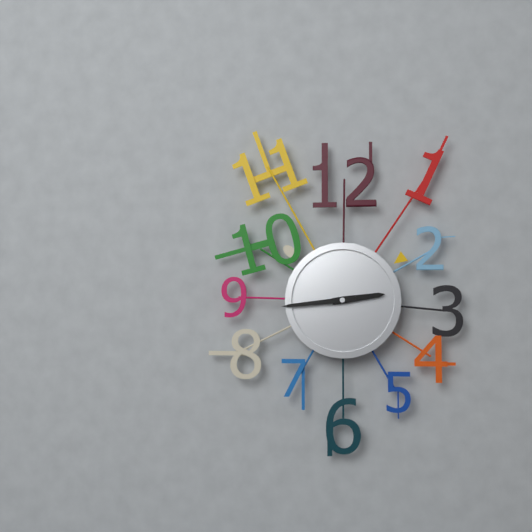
2:44
